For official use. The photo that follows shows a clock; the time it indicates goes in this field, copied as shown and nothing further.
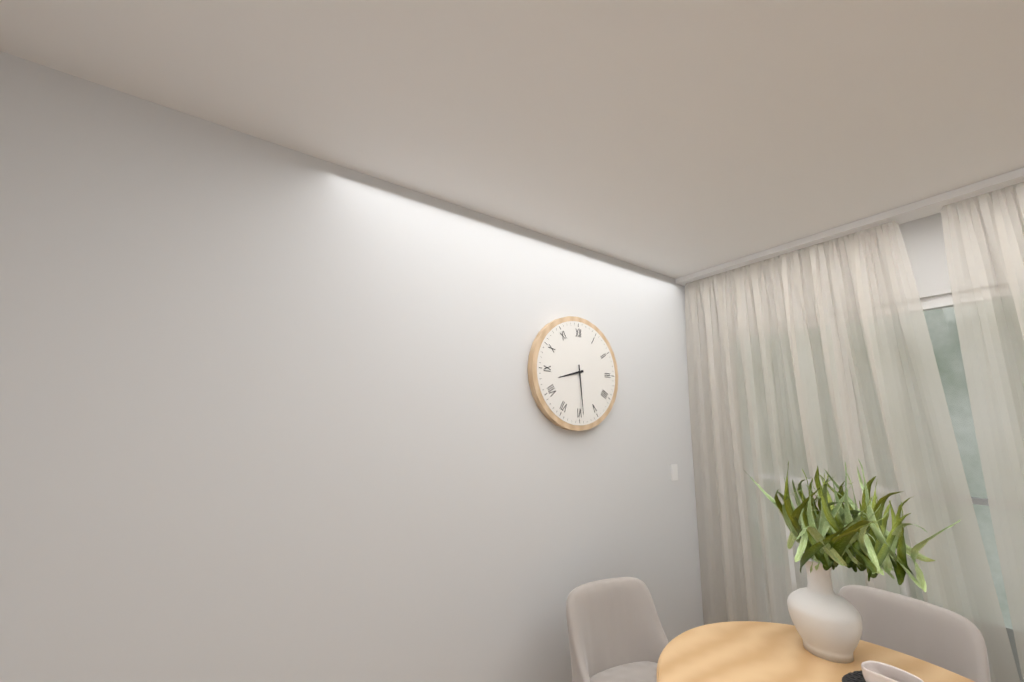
8:29
